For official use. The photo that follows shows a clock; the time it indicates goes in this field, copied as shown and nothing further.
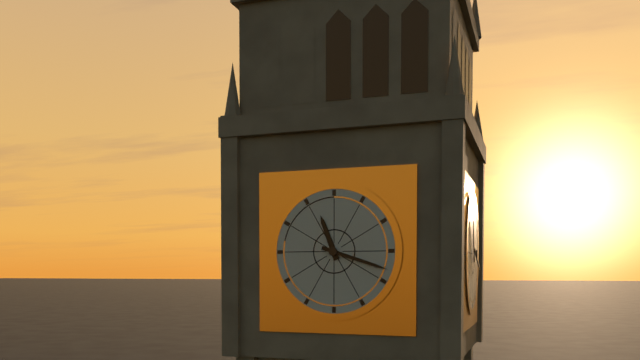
11:18
